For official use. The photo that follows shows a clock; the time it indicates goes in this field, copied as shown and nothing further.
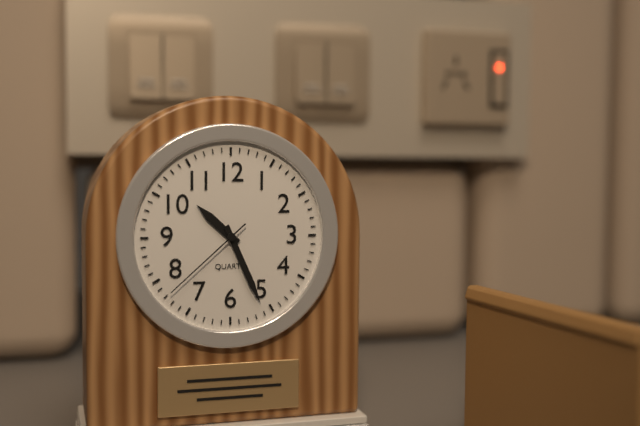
10:26:38
